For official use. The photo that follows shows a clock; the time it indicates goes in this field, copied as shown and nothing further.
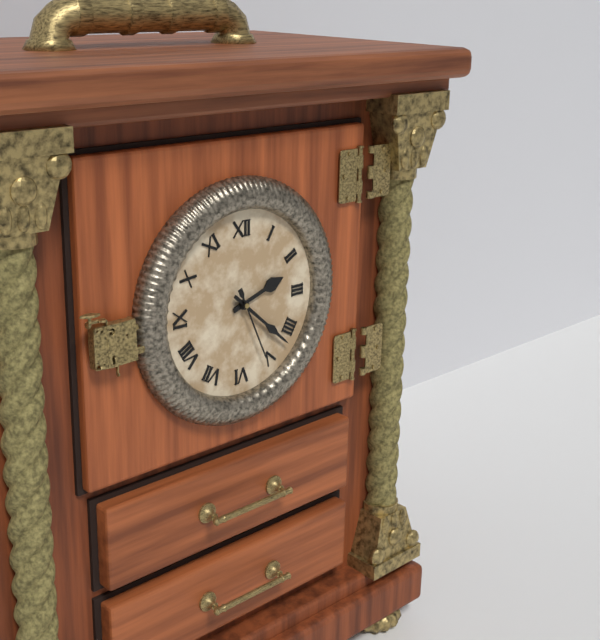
2:22:26
